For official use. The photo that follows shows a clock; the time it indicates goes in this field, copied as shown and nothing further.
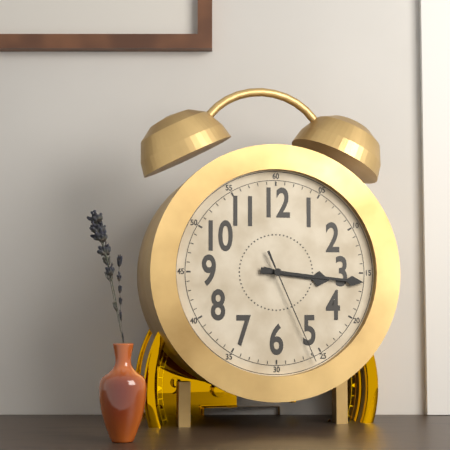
3:16:26
